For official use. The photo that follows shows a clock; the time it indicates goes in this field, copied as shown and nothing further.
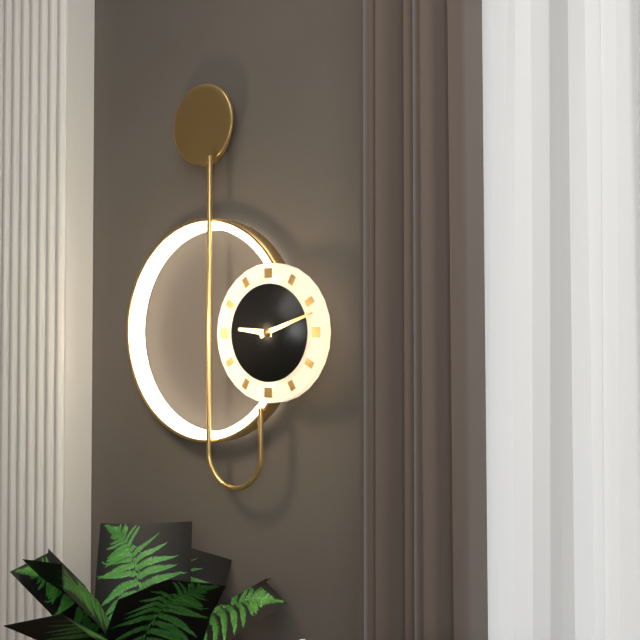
9:12
